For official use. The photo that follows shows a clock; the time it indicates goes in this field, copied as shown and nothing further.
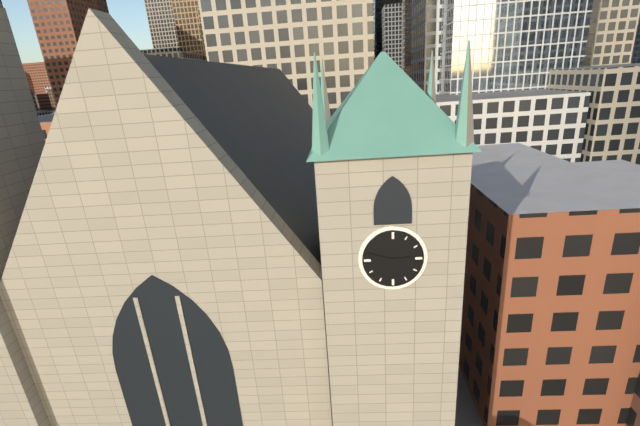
2:48
